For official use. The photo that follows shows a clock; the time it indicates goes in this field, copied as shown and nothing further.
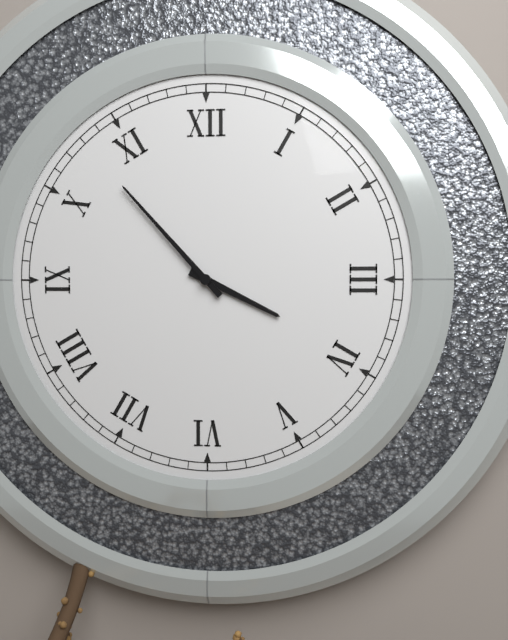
3:53
